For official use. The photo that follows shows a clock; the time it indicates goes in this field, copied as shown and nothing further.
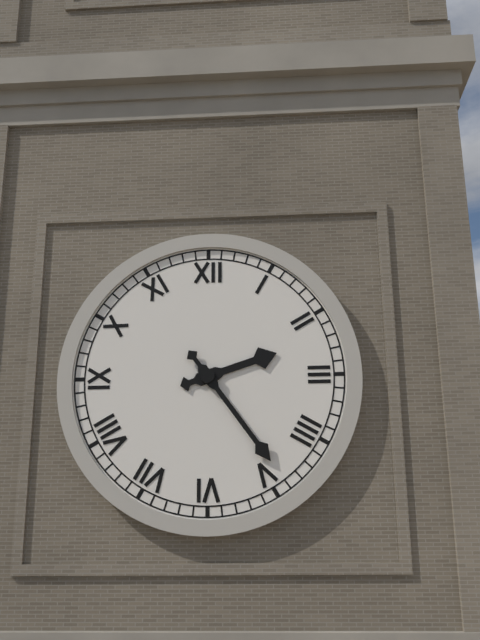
2:24
